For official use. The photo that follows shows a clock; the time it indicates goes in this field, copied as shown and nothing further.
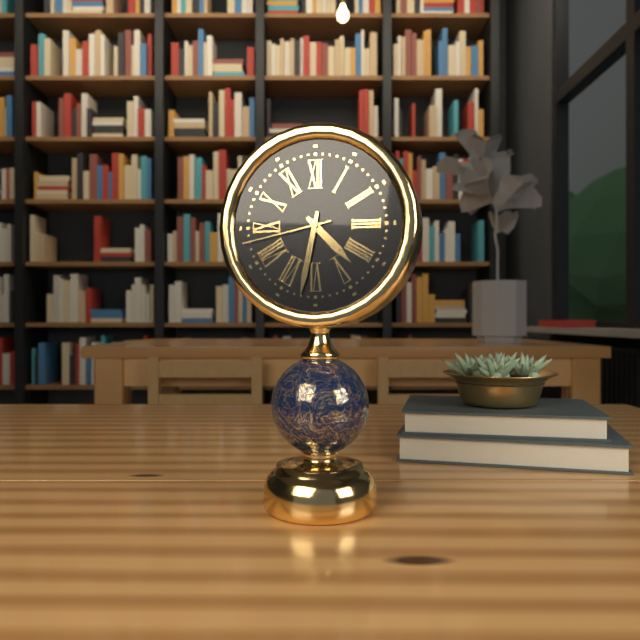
4:32:43
